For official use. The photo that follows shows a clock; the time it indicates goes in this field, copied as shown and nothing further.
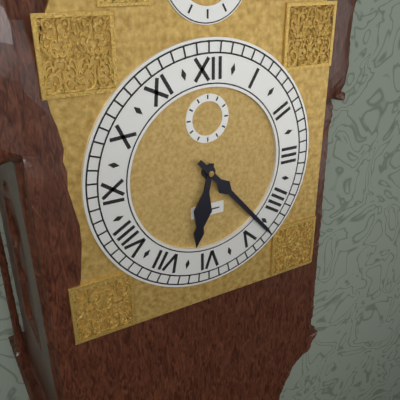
6:23
